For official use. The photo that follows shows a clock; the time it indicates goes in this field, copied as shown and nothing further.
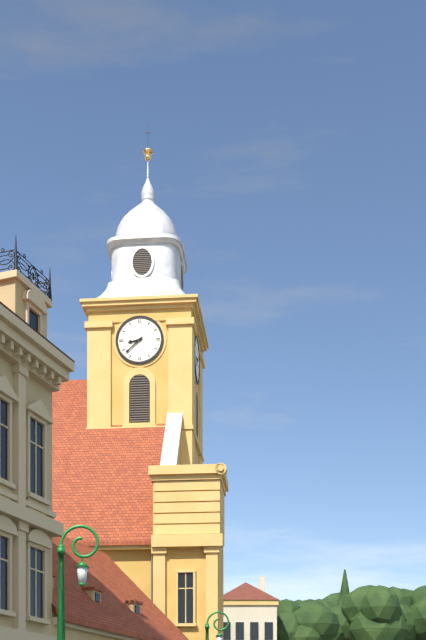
8:38
